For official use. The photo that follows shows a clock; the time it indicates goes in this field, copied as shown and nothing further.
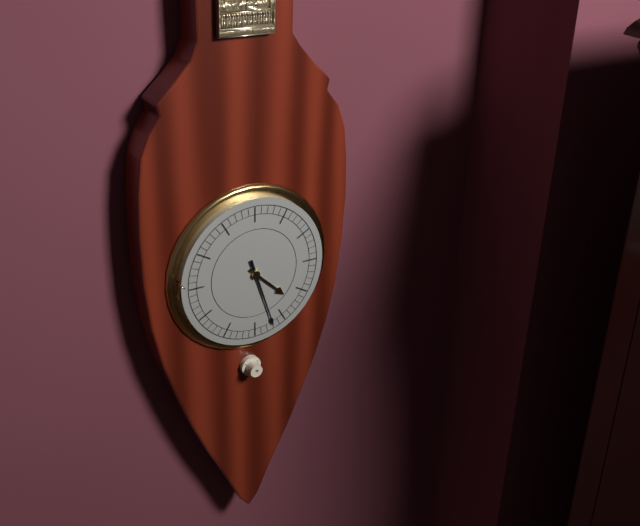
4:27
